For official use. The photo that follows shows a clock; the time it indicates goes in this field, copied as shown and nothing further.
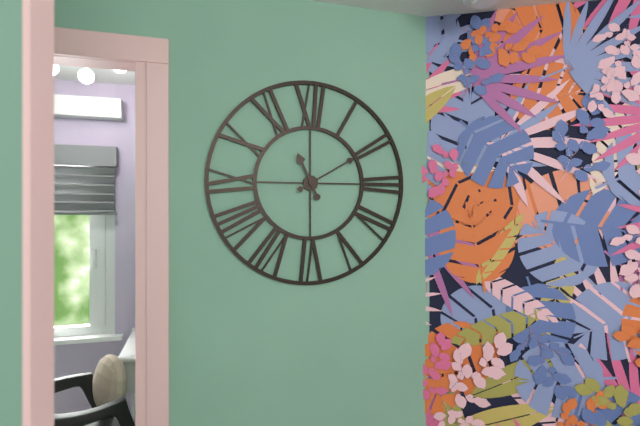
11:10
